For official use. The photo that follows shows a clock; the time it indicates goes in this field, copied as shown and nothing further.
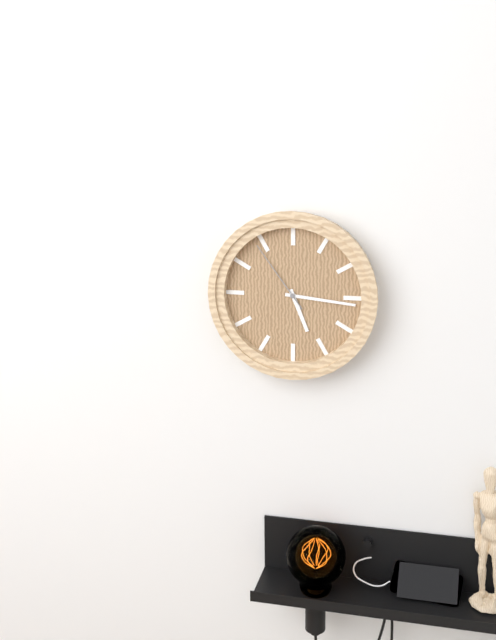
5:16:54
